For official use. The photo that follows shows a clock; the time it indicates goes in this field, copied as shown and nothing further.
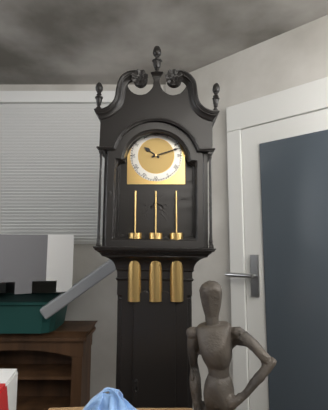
10:12
